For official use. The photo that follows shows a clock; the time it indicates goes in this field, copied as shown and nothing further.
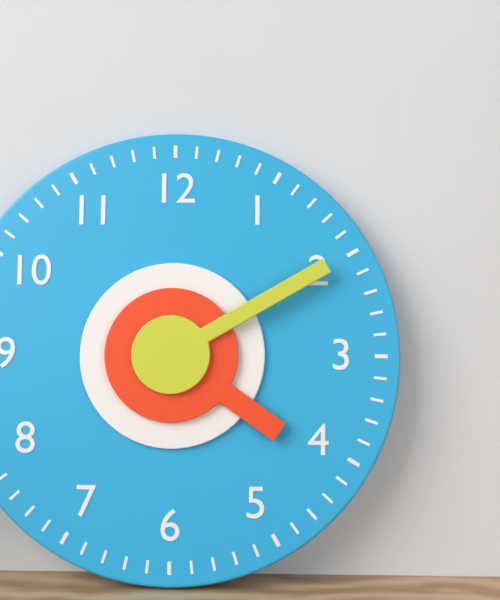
4:10
